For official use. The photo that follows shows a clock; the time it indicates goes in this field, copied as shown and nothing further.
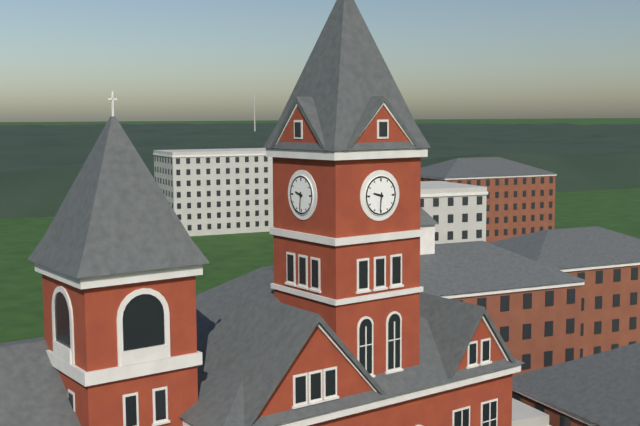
9:31
